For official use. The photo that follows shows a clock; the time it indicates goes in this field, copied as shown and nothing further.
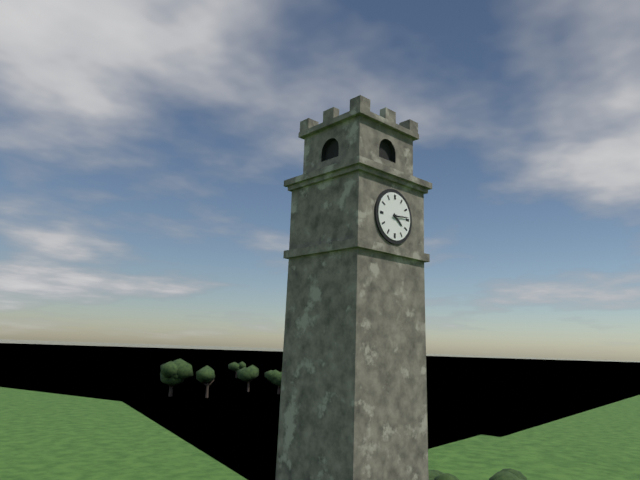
4:14
